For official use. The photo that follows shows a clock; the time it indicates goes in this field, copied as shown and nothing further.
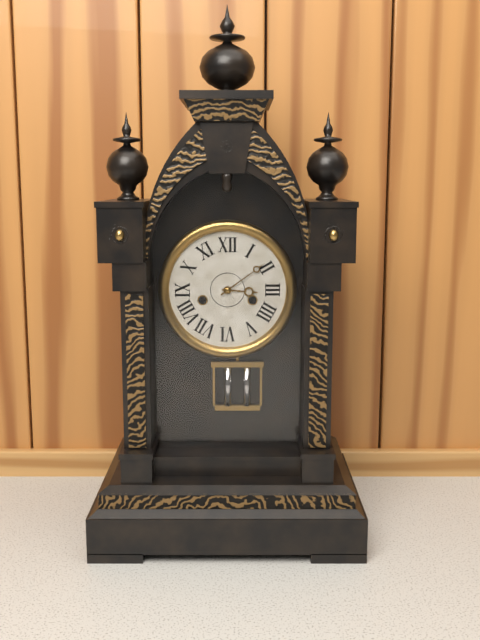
3:09
